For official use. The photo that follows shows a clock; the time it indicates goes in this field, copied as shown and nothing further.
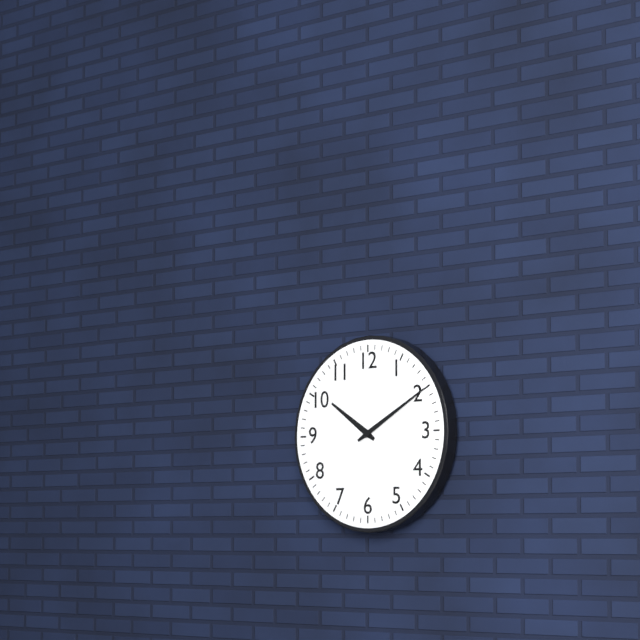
10:10
